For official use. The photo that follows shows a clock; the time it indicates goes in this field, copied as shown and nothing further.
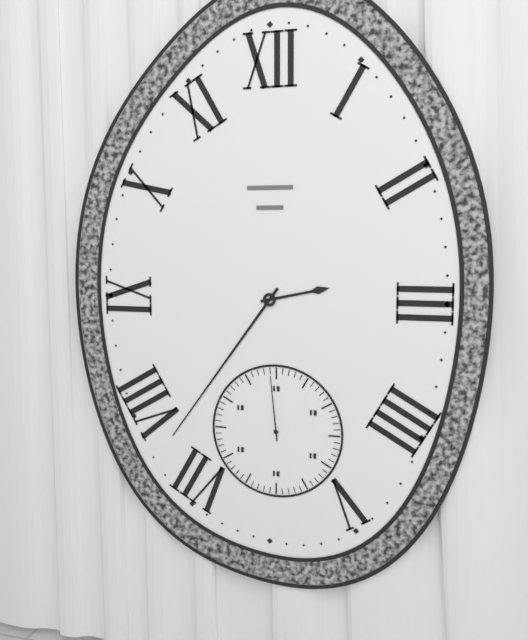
2:36:59
